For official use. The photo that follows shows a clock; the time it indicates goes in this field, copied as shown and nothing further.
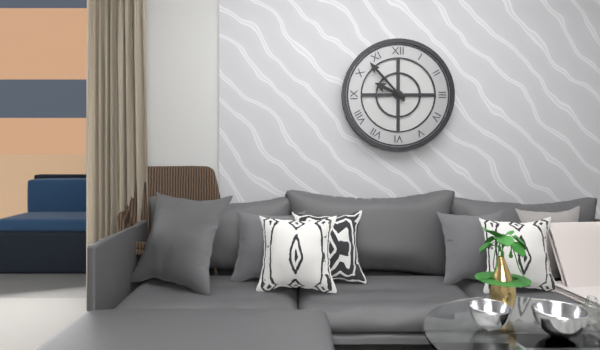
9:53
